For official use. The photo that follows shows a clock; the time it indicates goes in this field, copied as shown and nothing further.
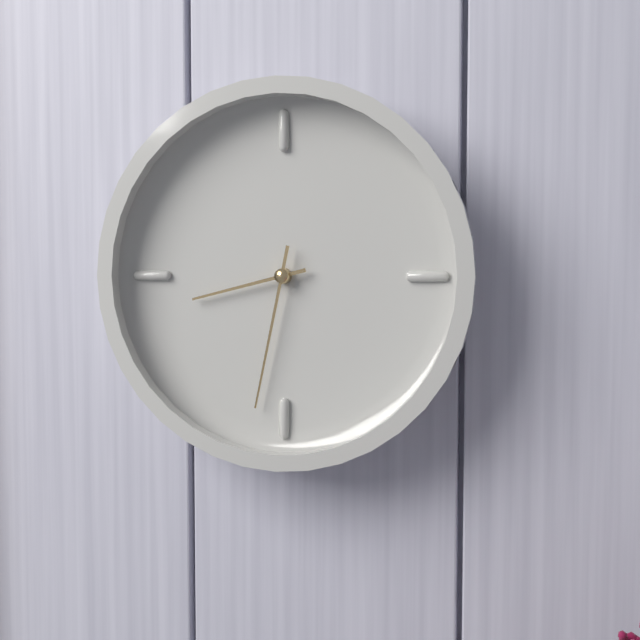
8:32
